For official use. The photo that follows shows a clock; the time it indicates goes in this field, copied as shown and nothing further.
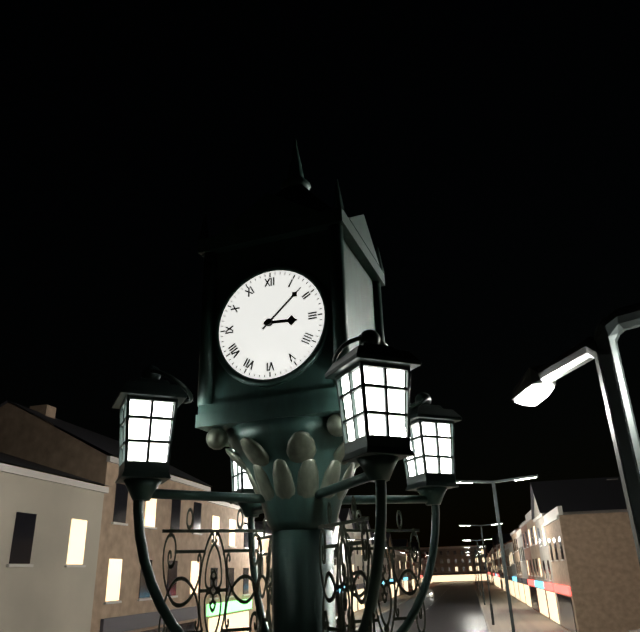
3:08
